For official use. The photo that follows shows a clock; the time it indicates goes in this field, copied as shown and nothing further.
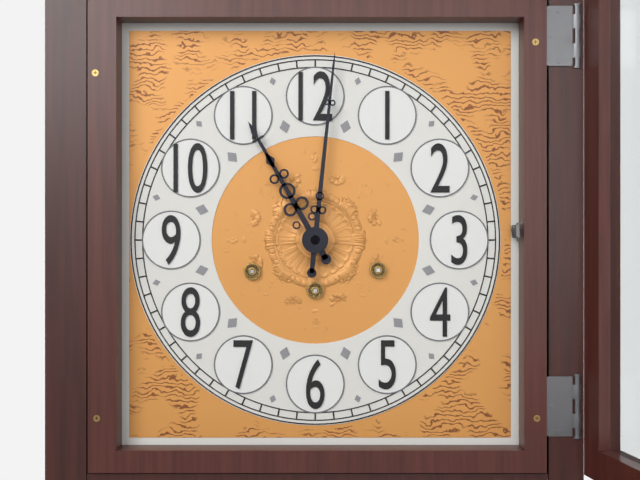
11:01
